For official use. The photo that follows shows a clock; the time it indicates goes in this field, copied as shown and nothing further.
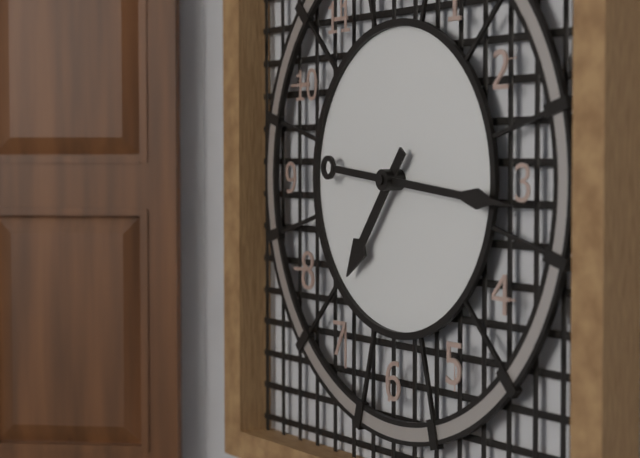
7:16
